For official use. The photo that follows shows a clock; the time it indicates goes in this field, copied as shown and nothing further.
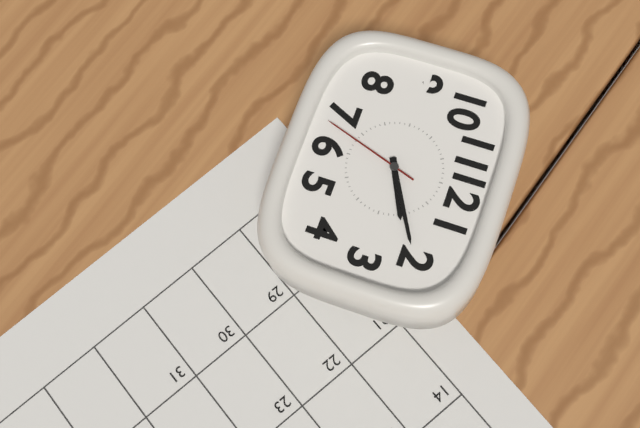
2:10:33
